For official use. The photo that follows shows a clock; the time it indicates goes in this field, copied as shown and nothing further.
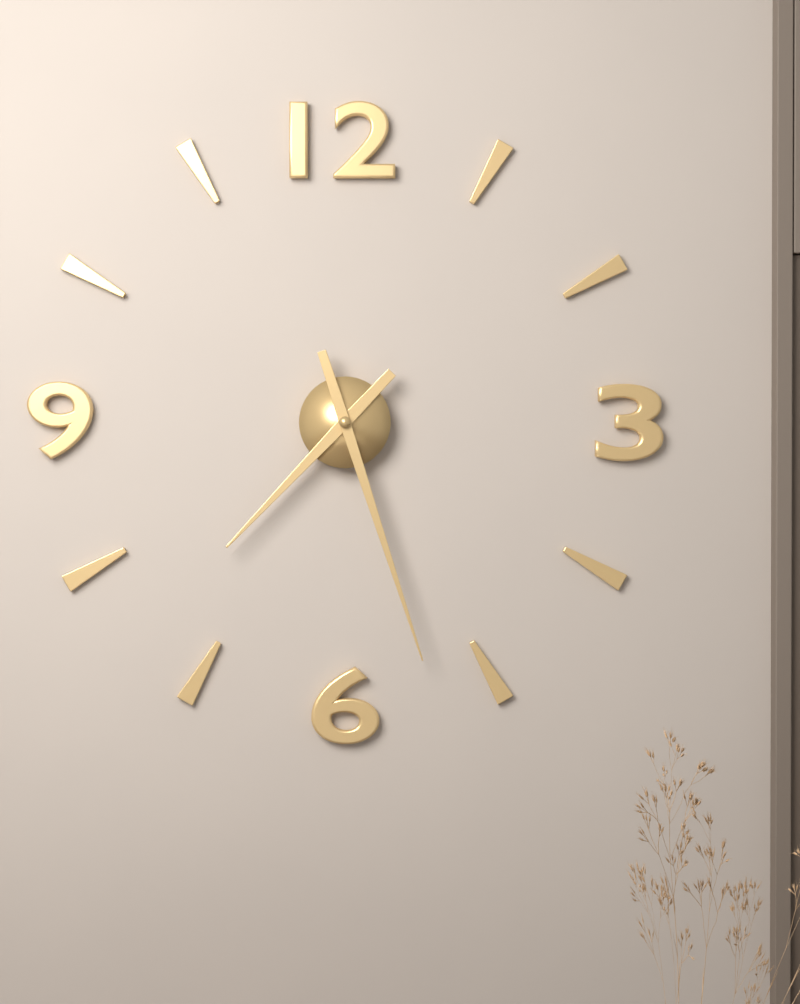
7:27
